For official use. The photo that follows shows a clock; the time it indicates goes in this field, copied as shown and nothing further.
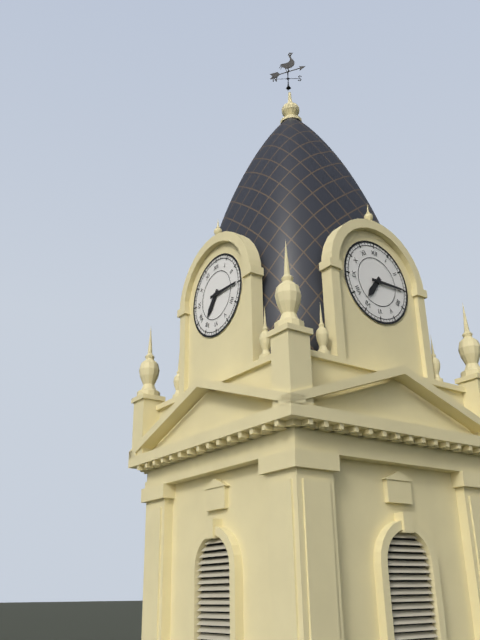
7:15
